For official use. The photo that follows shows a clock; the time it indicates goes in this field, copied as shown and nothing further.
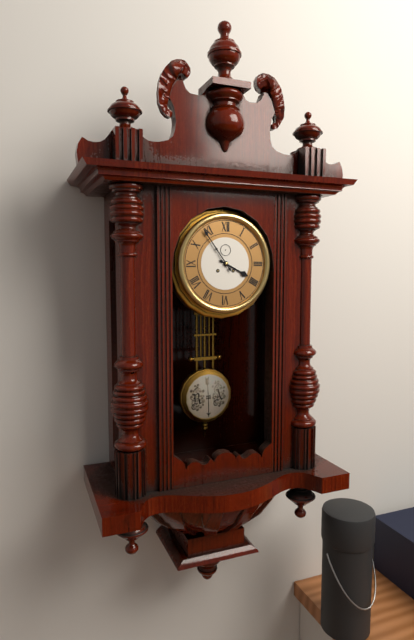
3:54
